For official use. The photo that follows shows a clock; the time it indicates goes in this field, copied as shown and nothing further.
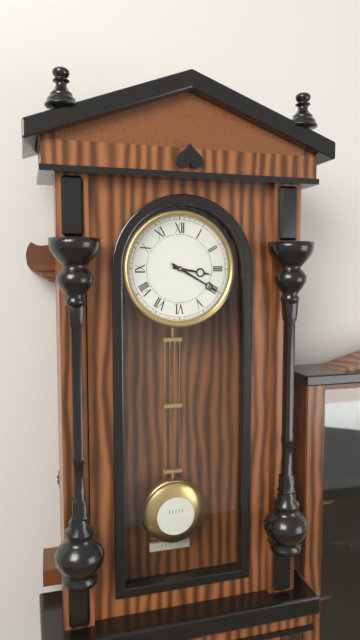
3:20
